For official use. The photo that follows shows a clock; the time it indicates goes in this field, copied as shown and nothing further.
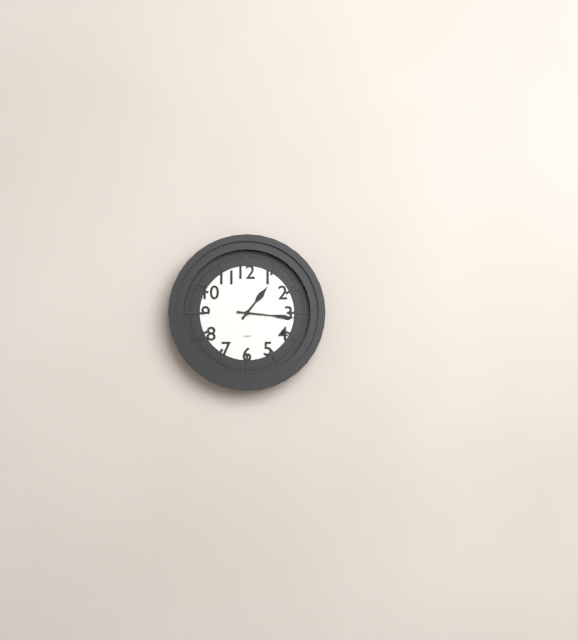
1:16
